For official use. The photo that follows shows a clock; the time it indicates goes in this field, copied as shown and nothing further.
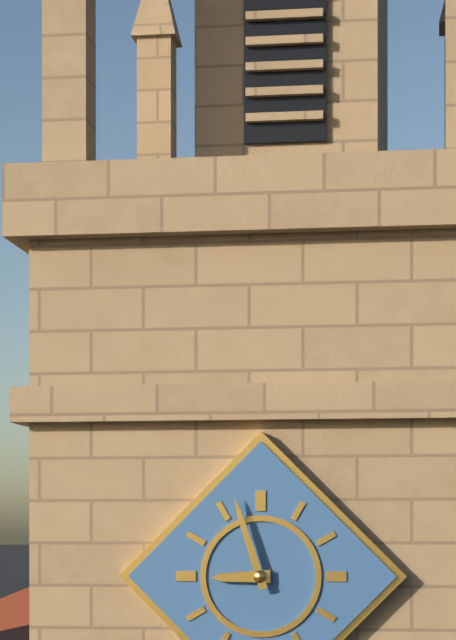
8:57
